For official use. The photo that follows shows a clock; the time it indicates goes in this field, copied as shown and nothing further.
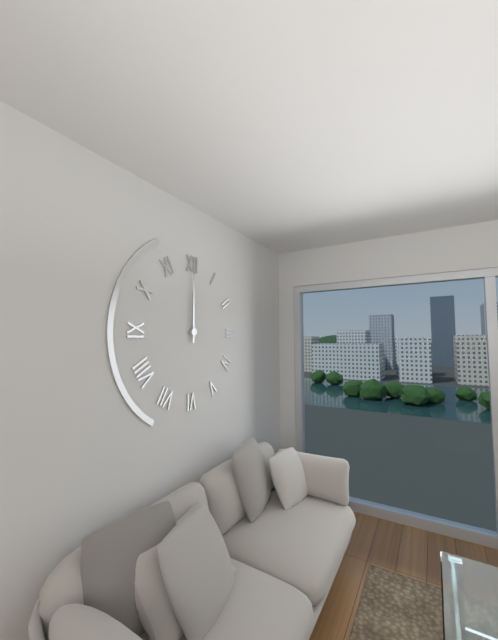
12:00
